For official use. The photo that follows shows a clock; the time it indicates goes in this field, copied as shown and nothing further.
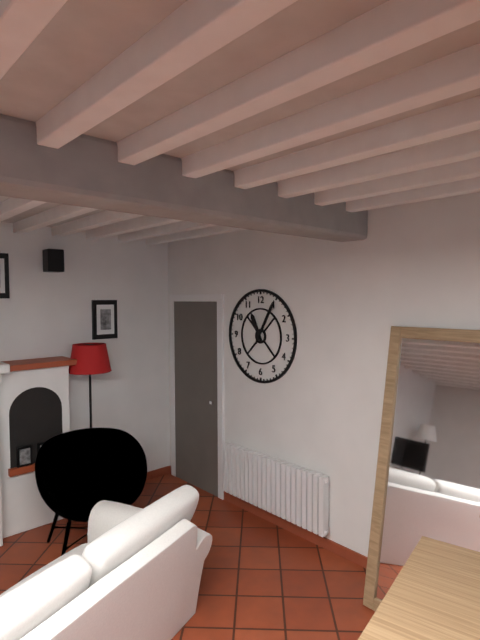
11:05
